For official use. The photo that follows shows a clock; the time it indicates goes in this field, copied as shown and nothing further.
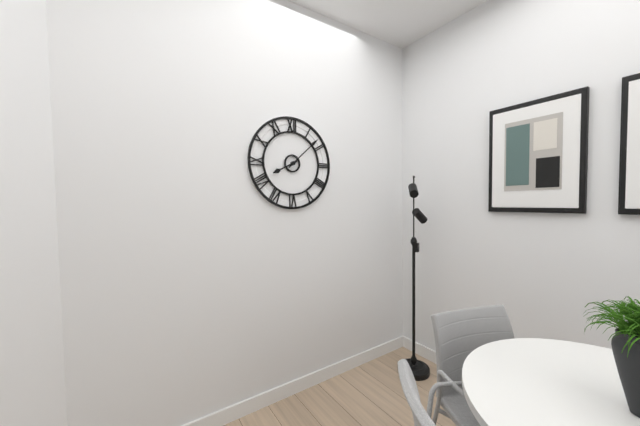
8:08
